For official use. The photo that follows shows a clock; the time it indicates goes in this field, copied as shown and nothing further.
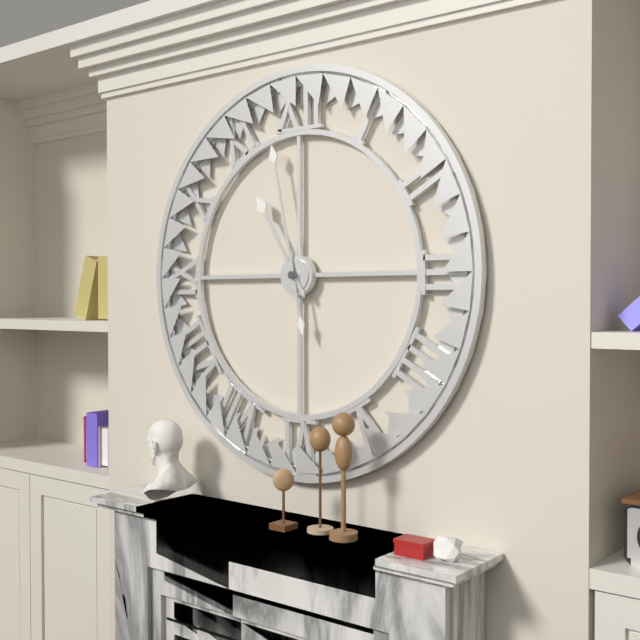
10:58
